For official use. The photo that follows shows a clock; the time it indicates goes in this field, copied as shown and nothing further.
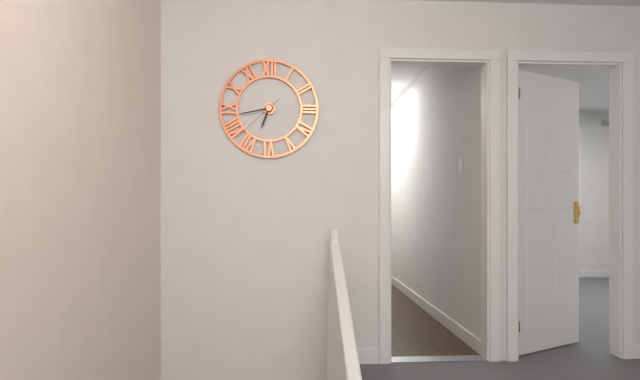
6:43
